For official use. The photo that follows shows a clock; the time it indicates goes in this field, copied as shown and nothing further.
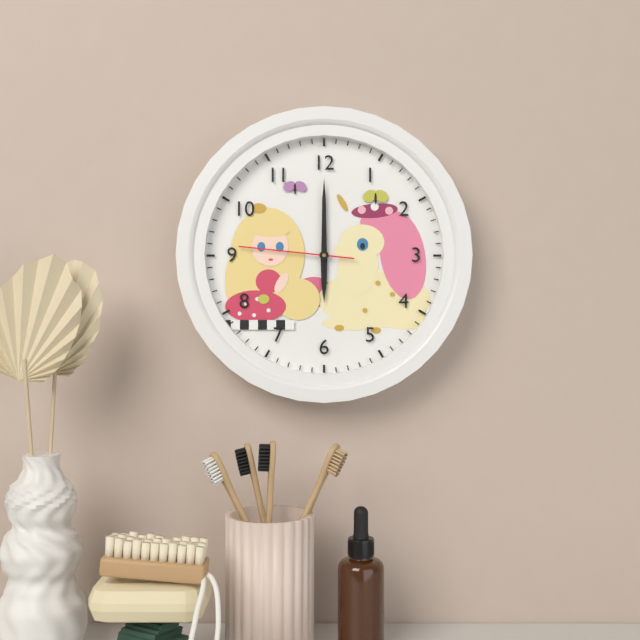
6:00:46
